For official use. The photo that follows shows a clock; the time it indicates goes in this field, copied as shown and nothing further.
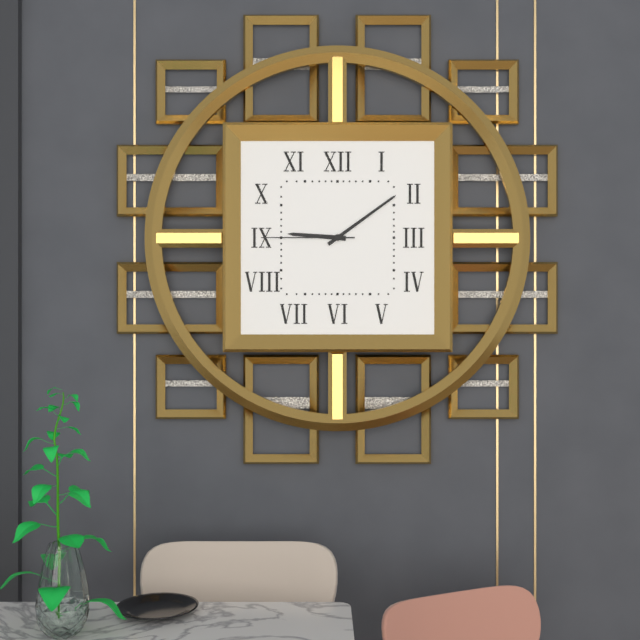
9:09:45
